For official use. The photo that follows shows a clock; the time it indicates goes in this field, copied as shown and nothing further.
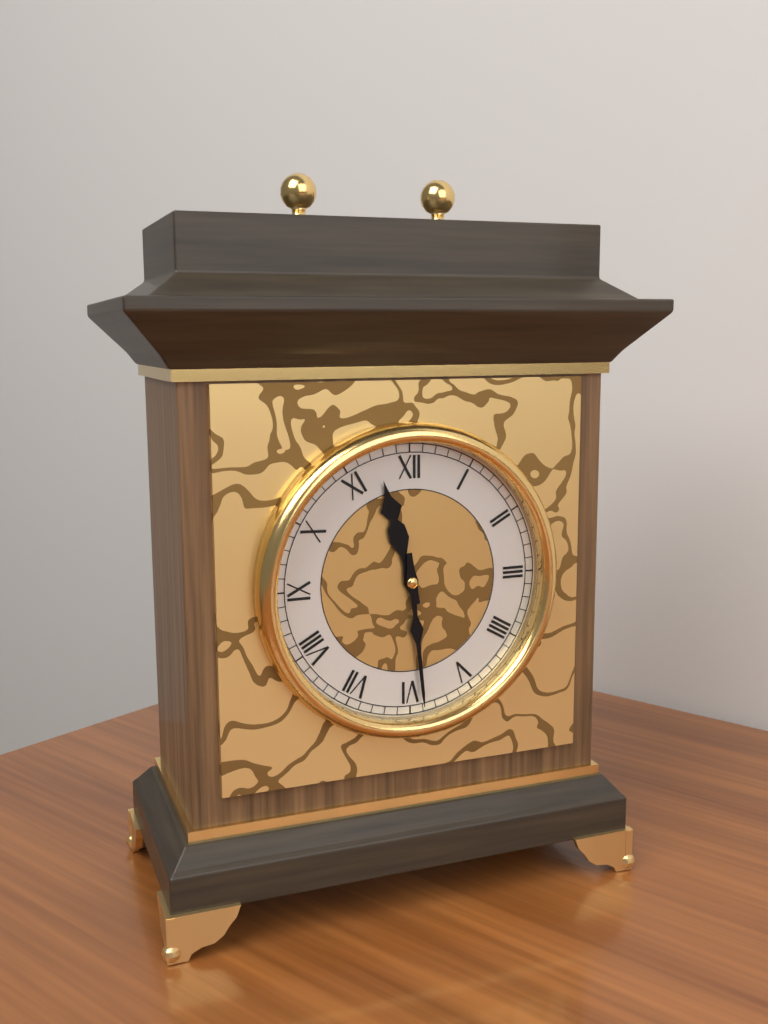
11:29
